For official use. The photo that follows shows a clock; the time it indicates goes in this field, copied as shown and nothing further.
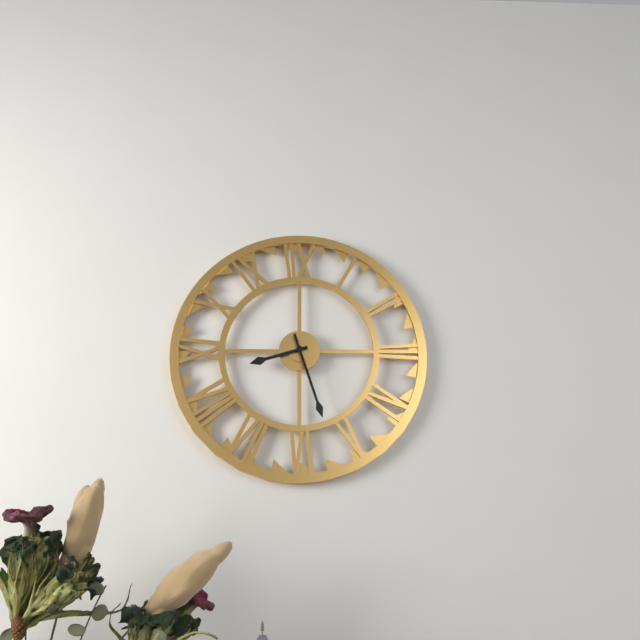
8:27
